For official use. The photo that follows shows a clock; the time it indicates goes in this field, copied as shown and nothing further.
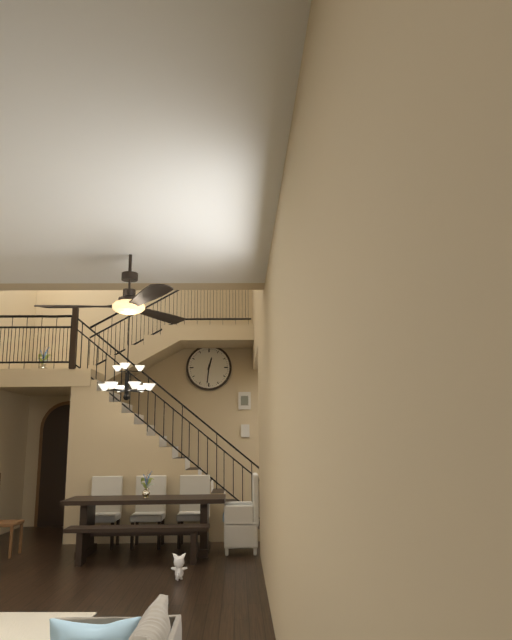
12:31
